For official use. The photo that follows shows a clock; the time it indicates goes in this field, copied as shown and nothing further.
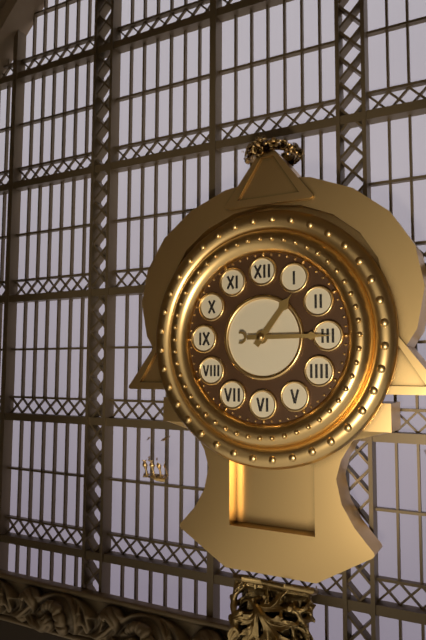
1:15
